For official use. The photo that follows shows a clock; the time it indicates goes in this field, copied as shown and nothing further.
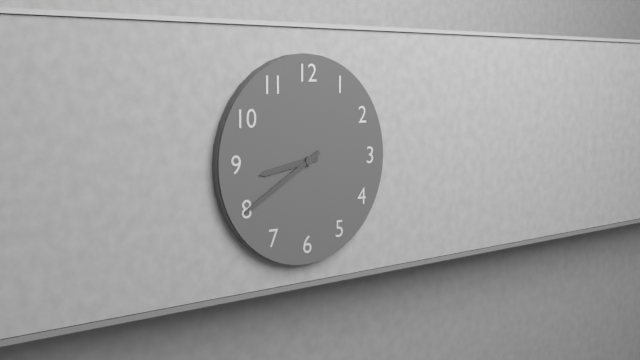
8:40
